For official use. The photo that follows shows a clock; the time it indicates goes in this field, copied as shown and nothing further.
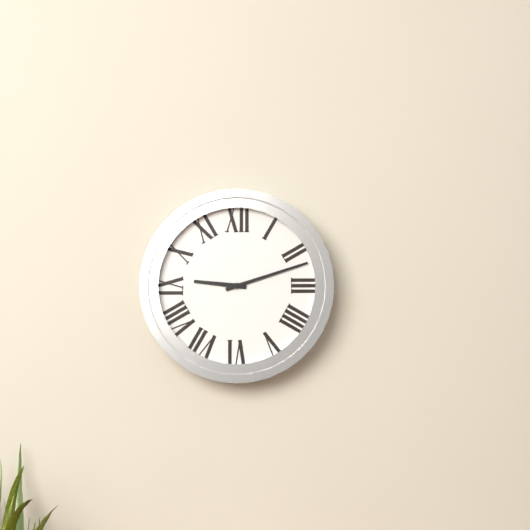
9:12
